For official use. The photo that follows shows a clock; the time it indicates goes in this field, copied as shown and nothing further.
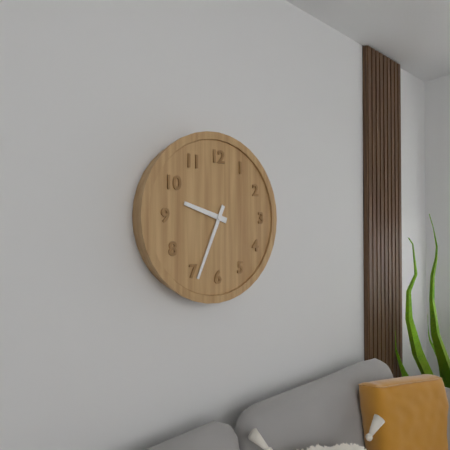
9:34
